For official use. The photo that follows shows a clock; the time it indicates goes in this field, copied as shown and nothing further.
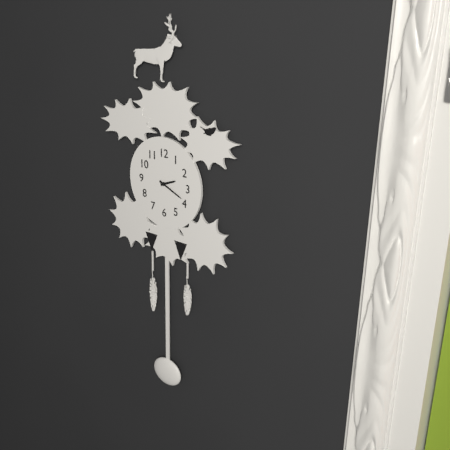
2:19
